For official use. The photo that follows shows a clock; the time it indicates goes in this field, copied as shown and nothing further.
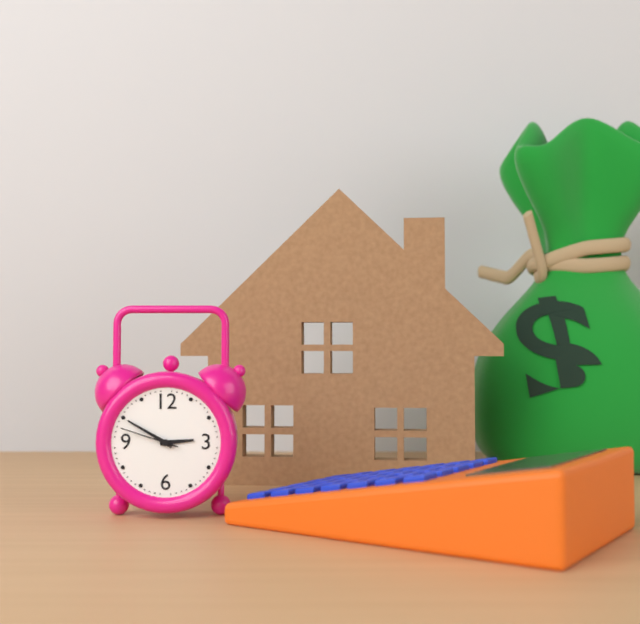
2:50:48
